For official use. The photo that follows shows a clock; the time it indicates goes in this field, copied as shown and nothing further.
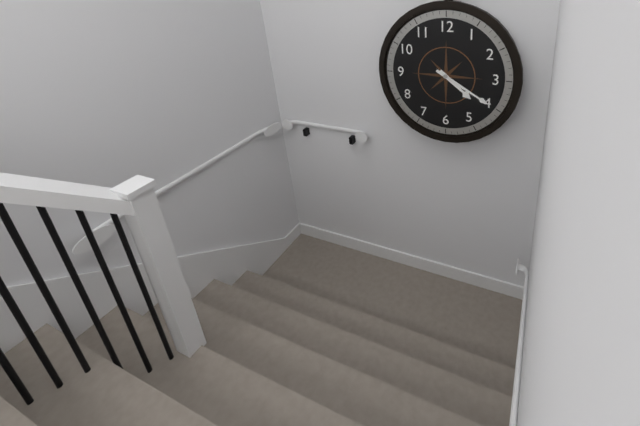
4:20
